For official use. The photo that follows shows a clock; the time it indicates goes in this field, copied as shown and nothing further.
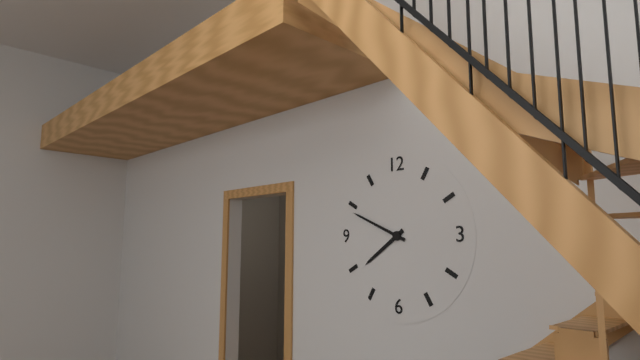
7:49
